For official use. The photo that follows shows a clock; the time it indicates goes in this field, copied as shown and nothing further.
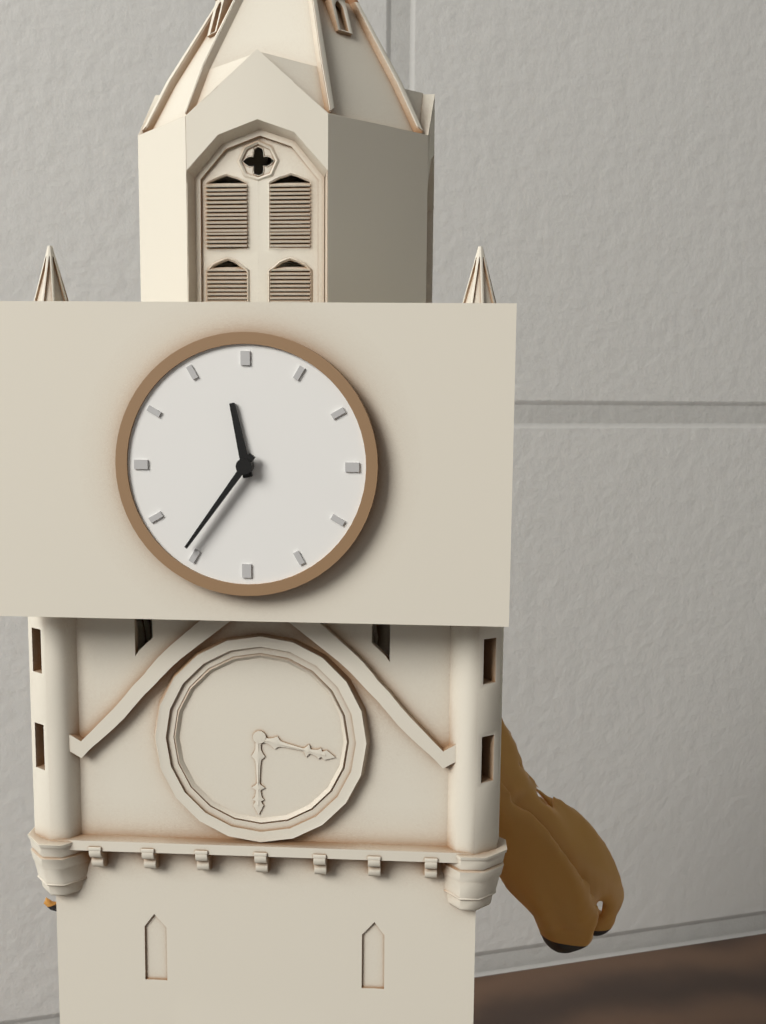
11:36
